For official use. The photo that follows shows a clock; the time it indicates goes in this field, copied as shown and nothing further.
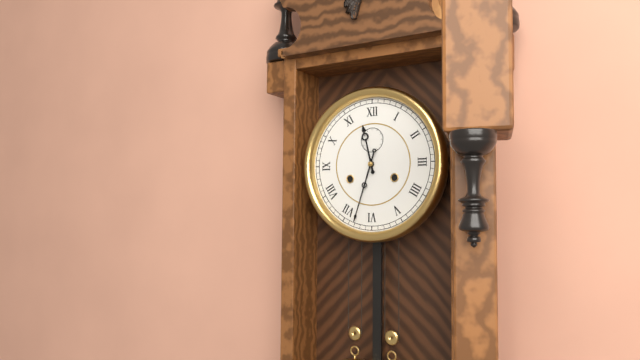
11:33
